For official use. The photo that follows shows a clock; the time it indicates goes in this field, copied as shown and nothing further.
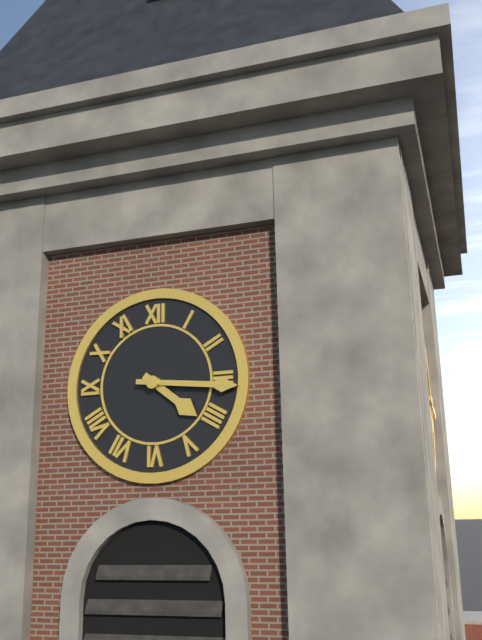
4:16
